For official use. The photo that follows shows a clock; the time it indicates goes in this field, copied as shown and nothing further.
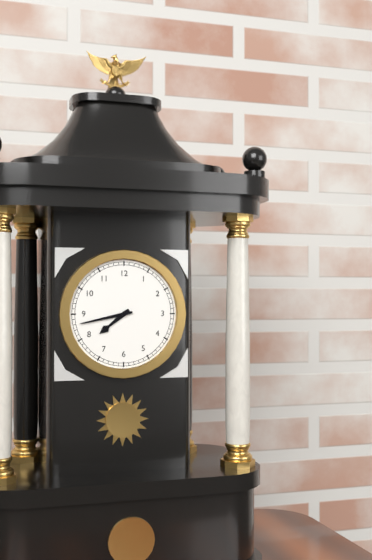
7:43
